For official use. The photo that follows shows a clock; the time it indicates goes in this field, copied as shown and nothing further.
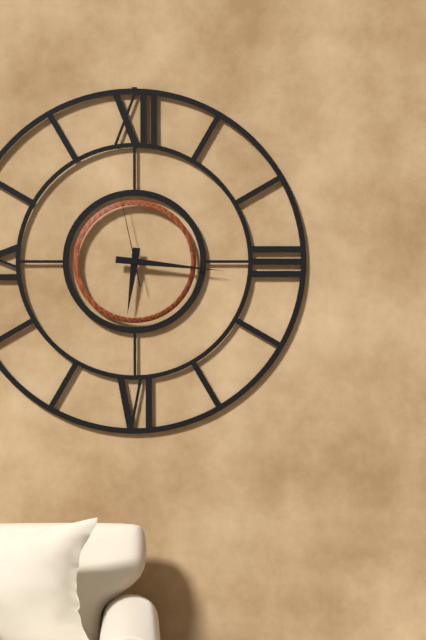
6:16:58
